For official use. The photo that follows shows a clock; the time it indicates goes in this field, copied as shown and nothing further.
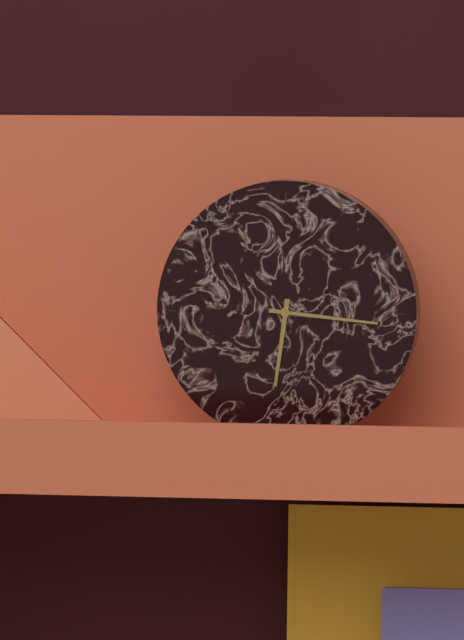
6:16
